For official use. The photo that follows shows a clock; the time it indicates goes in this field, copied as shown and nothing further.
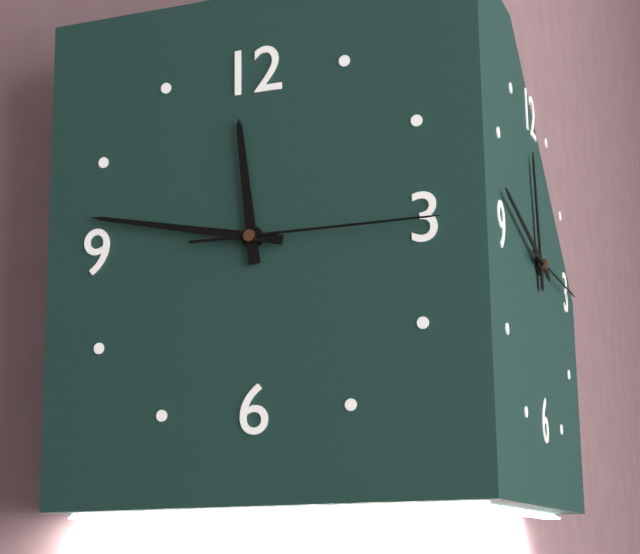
11:47:15
